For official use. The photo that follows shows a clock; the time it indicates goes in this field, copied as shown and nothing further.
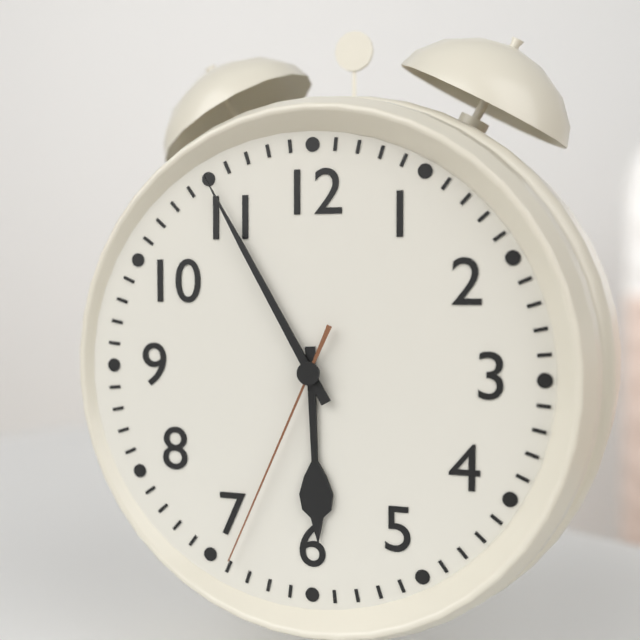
5:55:34
